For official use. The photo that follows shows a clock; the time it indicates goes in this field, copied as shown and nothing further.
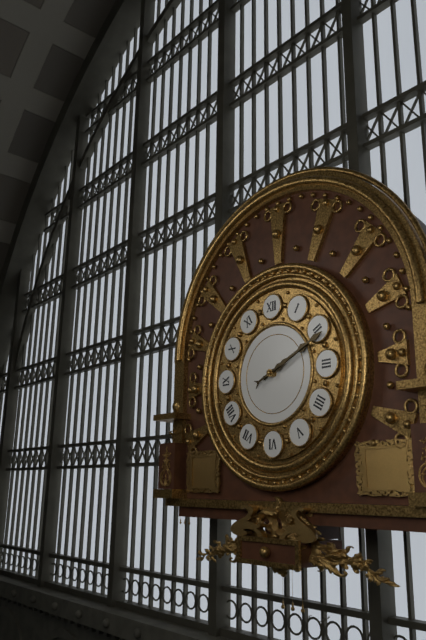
2:11
